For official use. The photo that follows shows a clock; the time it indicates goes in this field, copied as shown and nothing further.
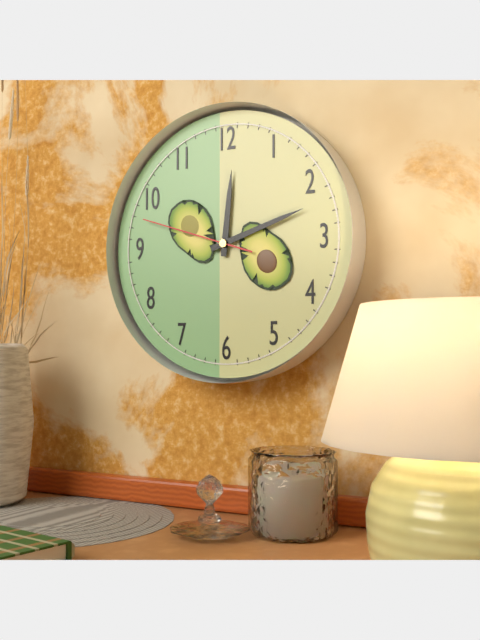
12:12:48
